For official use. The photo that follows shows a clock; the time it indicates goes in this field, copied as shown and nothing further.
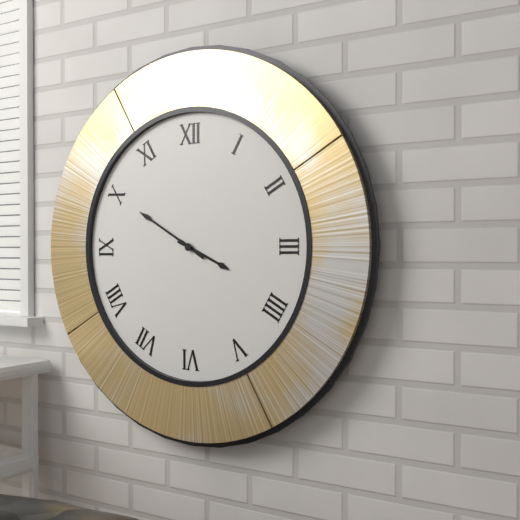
3:50
